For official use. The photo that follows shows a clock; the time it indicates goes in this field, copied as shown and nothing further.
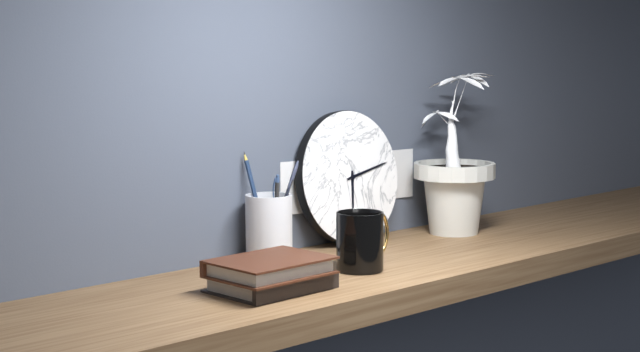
6:13
